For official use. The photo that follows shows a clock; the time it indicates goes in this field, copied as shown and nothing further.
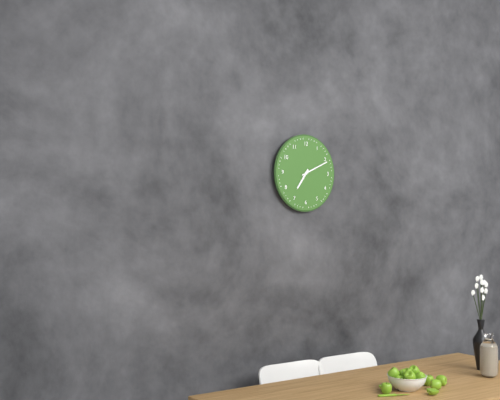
7:11
